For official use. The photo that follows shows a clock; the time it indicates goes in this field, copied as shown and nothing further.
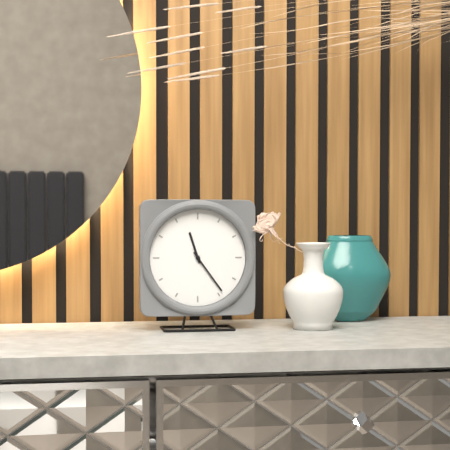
11:24
